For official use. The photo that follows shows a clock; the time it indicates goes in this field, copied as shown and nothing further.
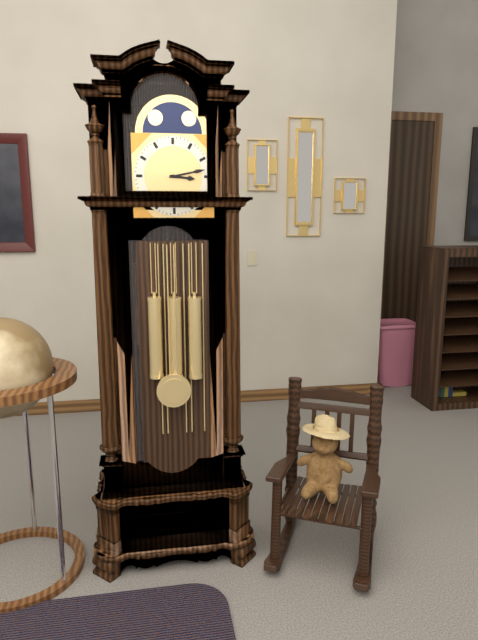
3:13
